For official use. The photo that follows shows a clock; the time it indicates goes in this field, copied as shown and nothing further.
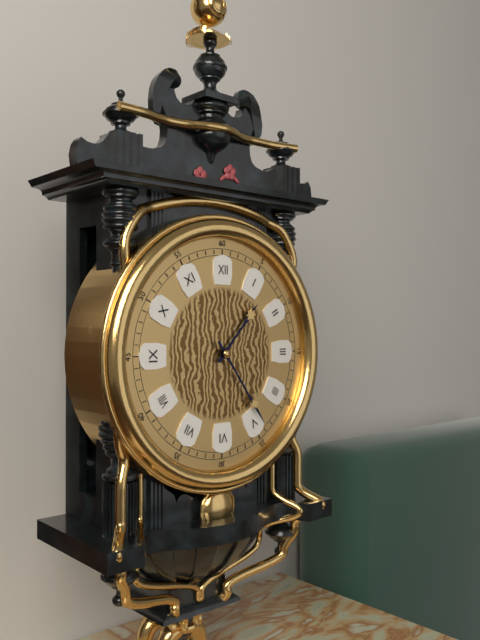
1:24
